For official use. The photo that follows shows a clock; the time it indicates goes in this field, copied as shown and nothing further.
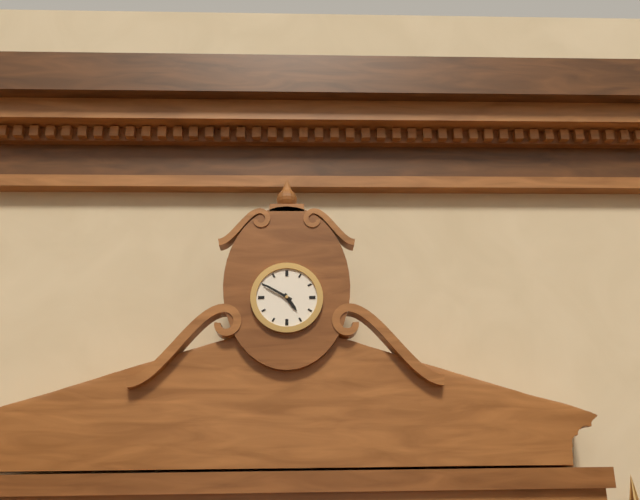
4:50
